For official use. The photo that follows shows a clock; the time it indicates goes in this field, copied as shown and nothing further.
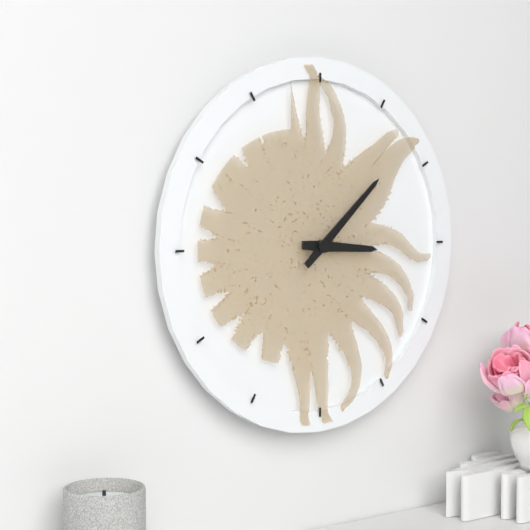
3:08
